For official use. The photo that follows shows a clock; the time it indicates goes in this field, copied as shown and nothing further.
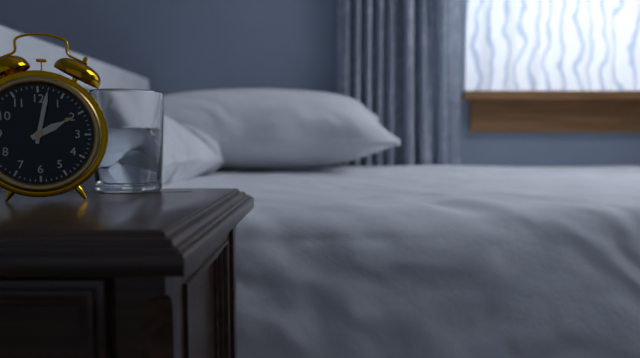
2:02
